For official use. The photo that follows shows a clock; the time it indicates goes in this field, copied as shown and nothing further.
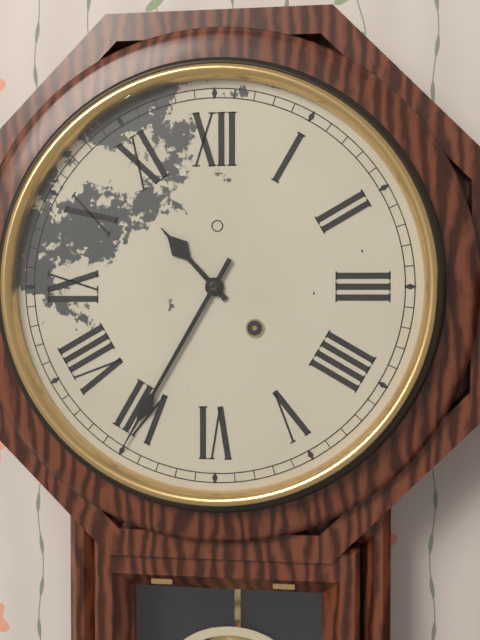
10:35
